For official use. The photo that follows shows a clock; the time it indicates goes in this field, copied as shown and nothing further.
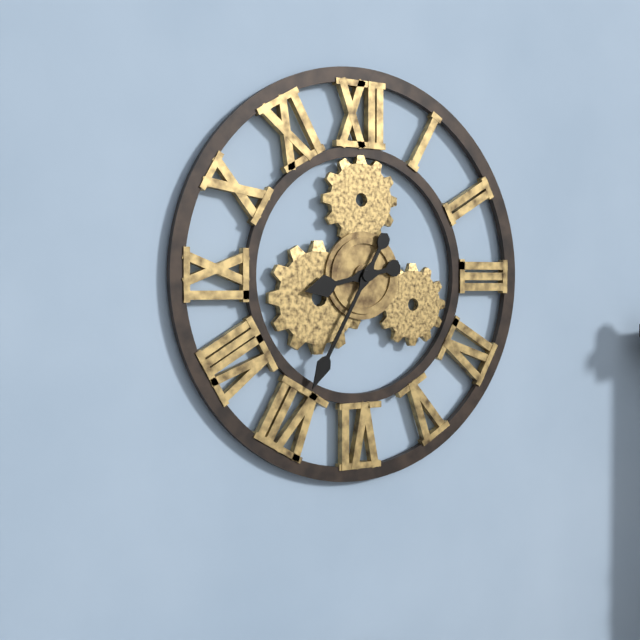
8:35
